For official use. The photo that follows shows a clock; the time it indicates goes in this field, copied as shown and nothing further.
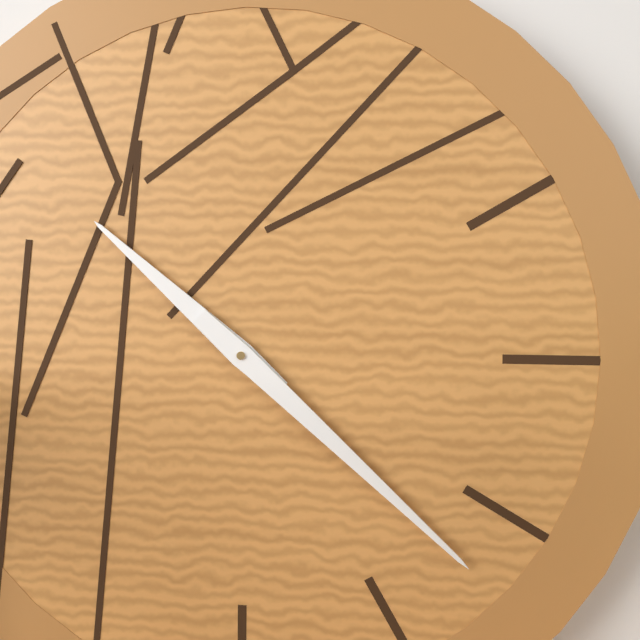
10:22
